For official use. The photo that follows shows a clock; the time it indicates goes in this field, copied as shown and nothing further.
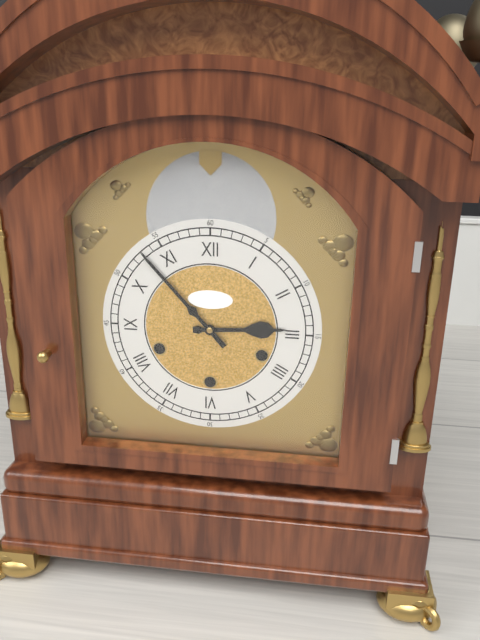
2:53
